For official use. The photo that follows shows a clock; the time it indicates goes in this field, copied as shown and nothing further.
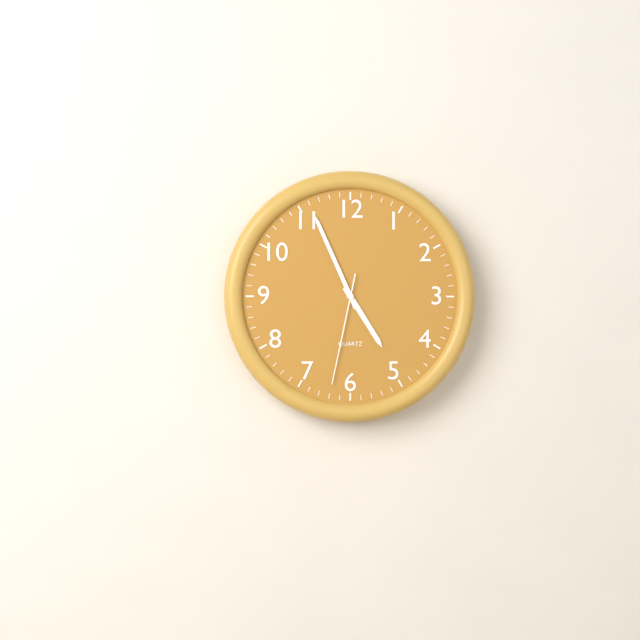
4:56:32
